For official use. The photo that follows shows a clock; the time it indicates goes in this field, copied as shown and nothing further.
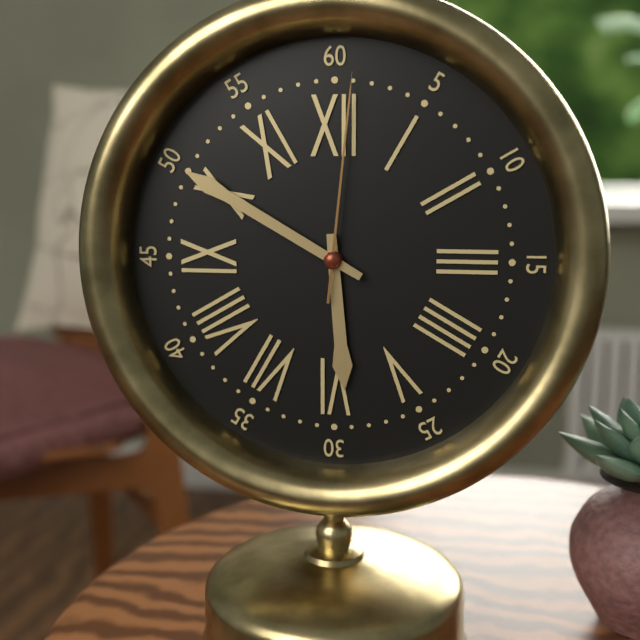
5:50:01
